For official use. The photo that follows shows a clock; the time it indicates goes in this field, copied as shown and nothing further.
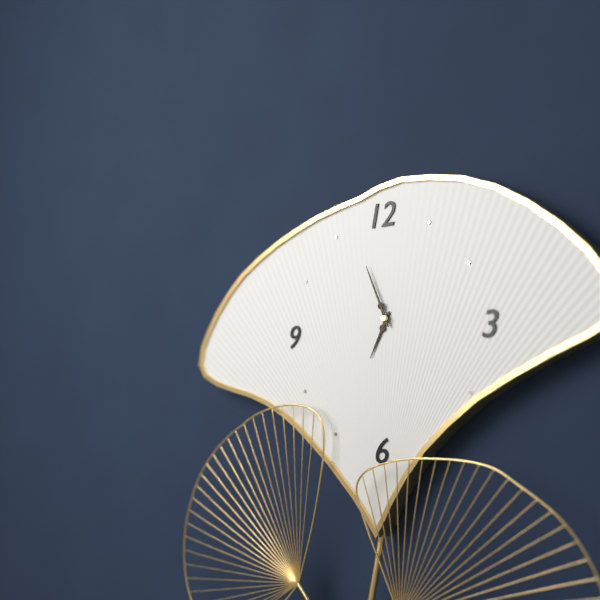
6:56
